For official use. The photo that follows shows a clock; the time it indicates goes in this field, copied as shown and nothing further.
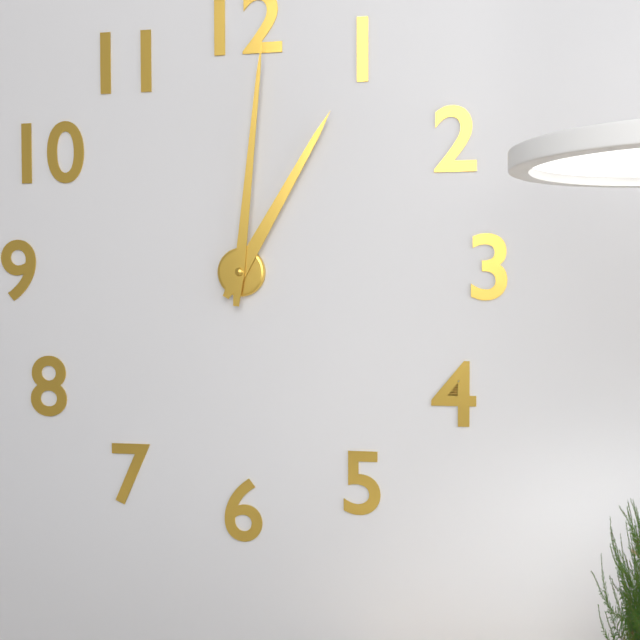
1:01
